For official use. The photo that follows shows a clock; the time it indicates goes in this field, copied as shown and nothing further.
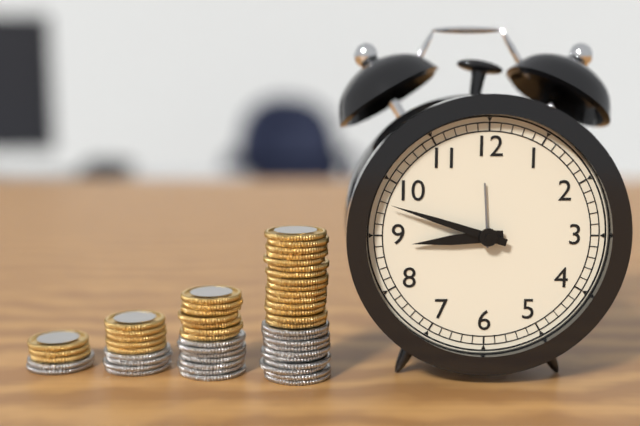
8:48
